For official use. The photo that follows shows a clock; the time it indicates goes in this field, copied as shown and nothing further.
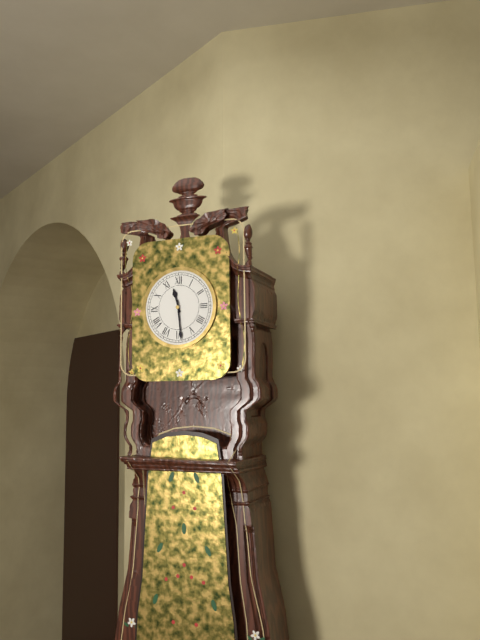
11:29
